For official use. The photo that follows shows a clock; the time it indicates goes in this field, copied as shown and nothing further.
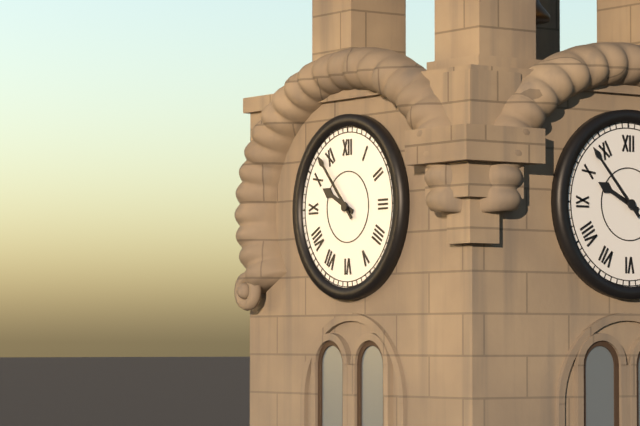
9:53
